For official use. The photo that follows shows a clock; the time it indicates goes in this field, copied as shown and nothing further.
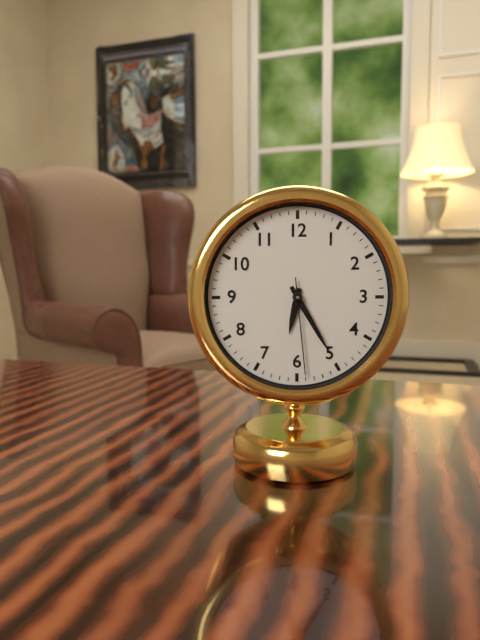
6:25:29
